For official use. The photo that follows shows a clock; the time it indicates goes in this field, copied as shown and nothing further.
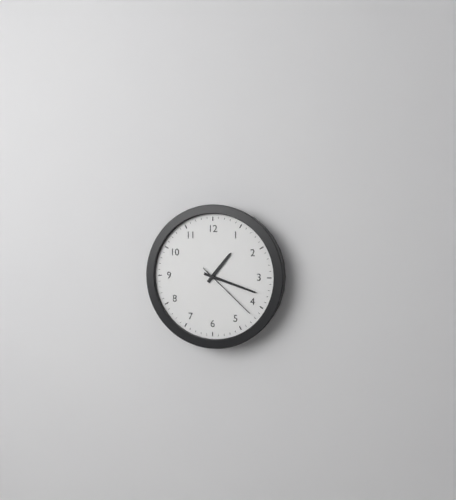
1:18:22
